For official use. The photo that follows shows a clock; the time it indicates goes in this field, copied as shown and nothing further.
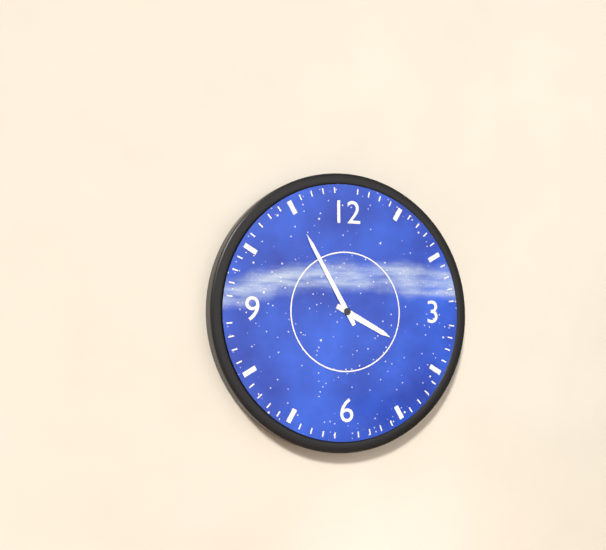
3:55
